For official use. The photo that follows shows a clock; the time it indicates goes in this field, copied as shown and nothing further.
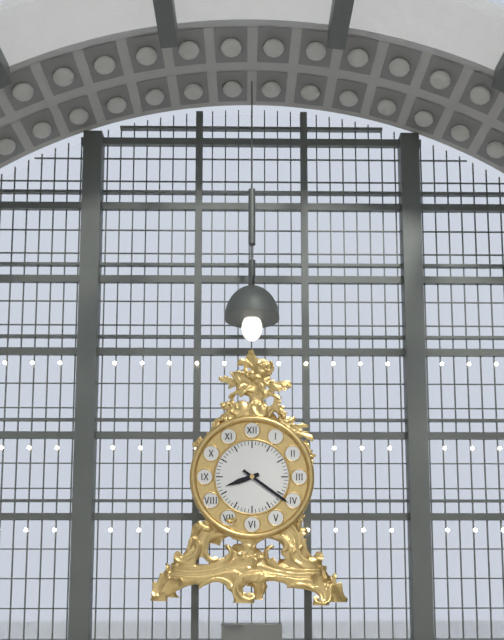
8:21
